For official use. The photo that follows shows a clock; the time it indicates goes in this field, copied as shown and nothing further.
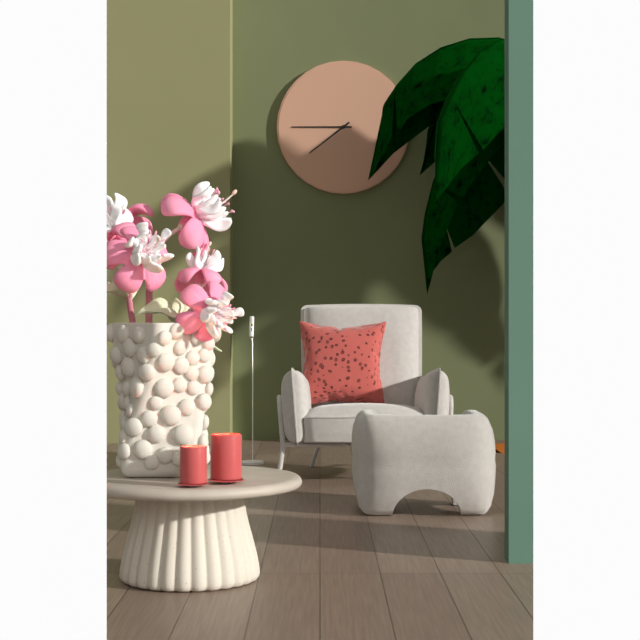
7:45
